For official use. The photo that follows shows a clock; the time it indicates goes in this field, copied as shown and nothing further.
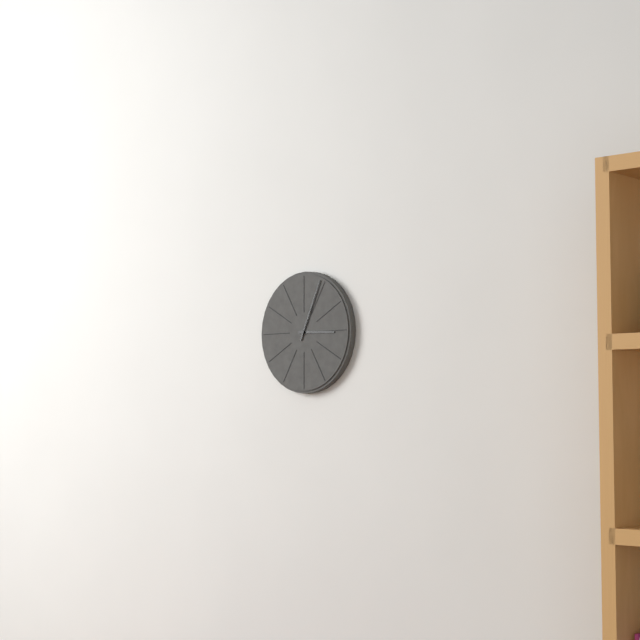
3:04
